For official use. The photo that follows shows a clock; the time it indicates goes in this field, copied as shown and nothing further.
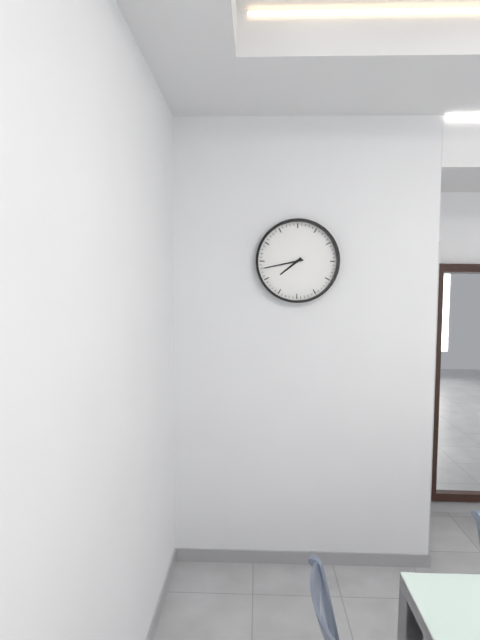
7:43
